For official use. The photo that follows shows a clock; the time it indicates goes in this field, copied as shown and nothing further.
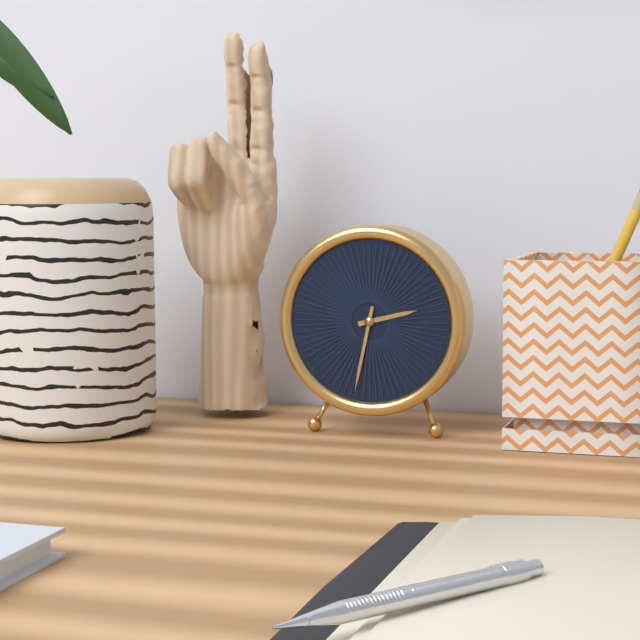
2:32
